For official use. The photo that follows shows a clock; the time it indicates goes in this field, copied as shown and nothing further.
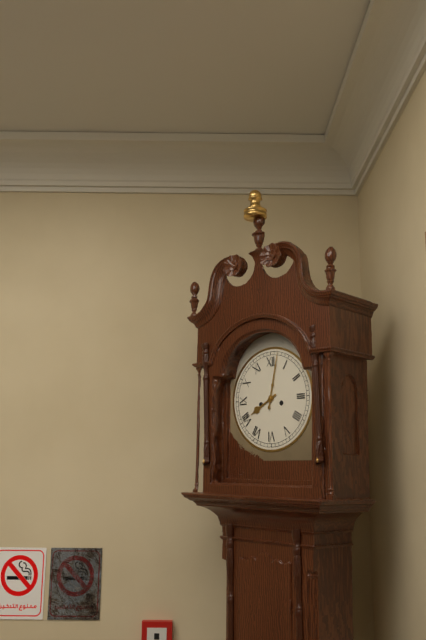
8:02
